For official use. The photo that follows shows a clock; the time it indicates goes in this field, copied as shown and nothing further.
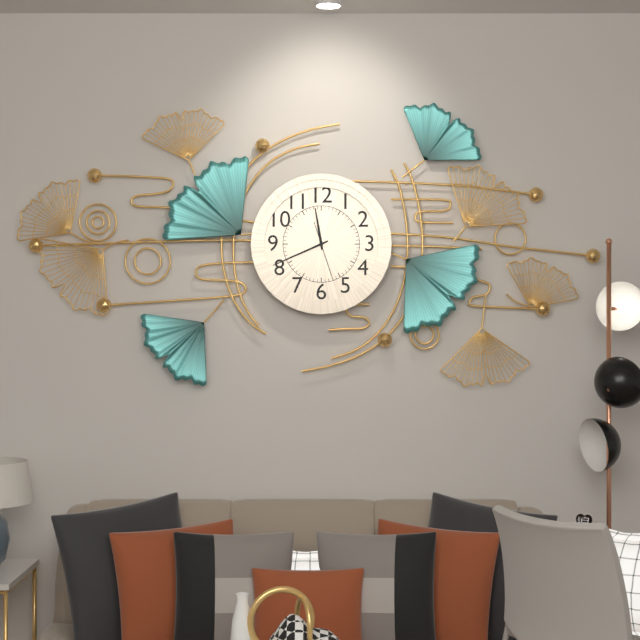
11:41
